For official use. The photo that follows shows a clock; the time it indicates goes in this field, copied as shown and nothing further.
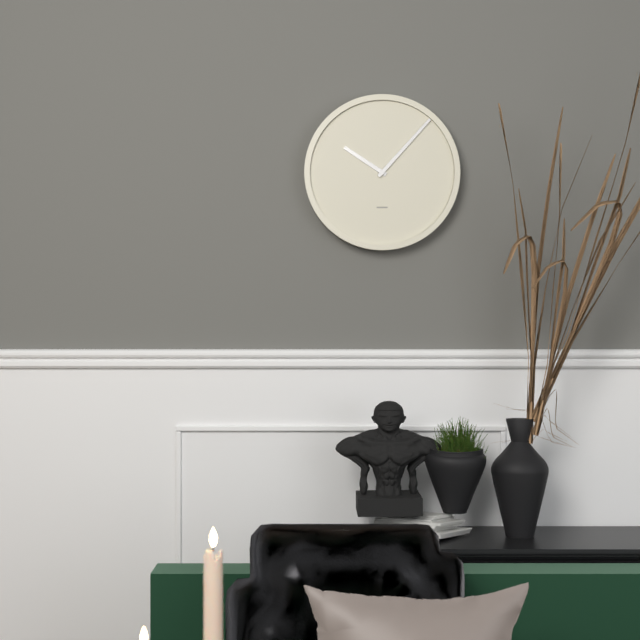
10:07
